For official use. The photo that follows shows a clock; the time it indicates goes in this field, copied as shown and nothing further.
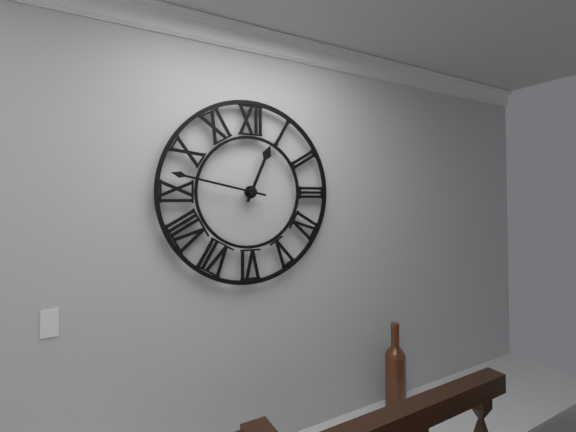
12:47
